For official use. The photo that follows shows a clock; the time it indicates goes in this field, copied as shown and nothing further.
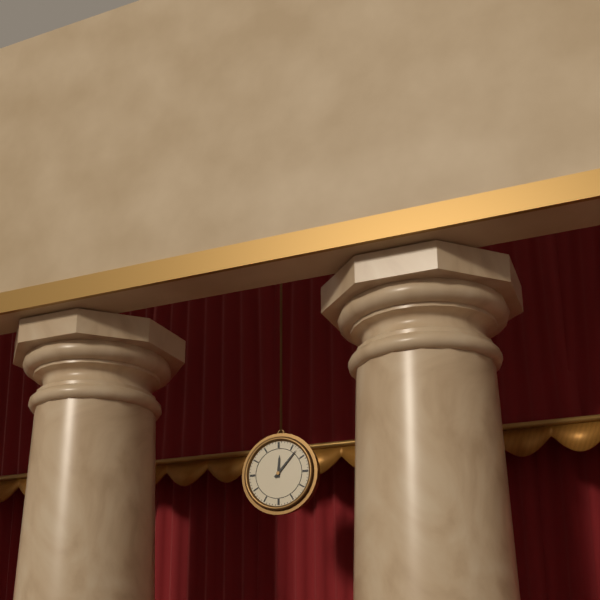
12:07
